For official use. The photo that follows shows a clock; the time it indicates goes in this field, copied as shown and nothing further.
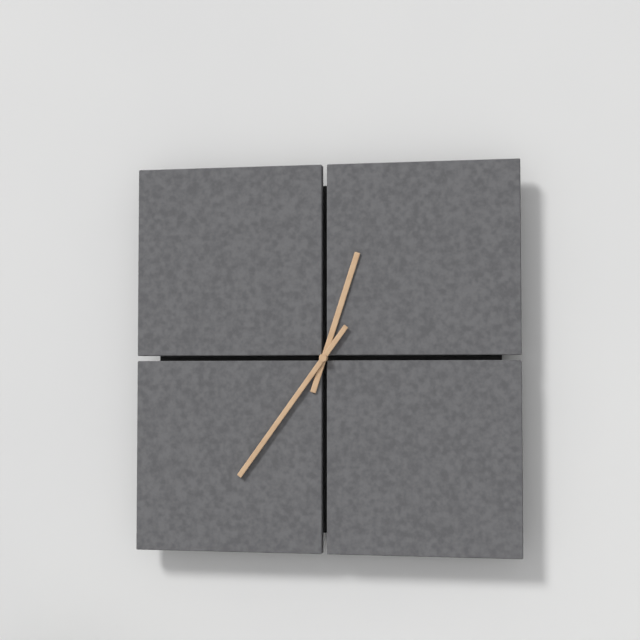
12:36
